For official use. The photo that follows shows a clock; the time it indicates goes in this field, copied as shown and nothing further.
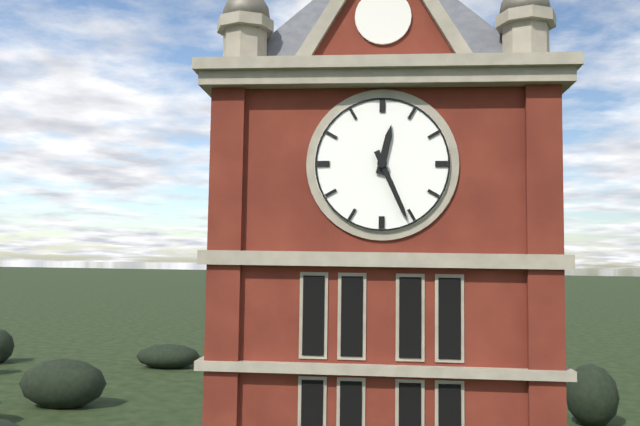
12:26
